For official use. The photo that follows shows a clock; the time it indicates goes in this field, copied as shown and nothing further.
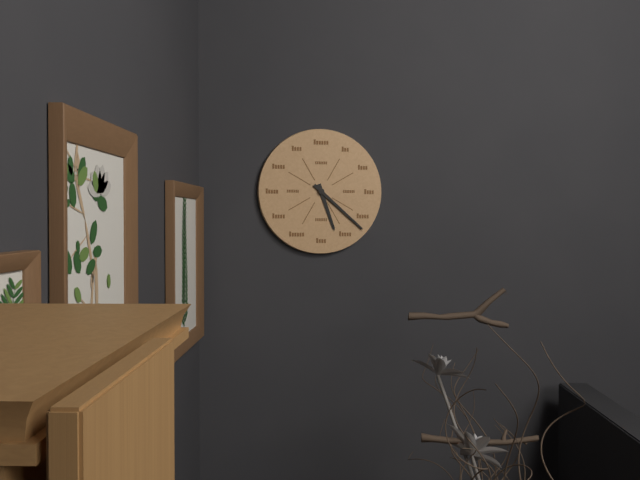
5:22
